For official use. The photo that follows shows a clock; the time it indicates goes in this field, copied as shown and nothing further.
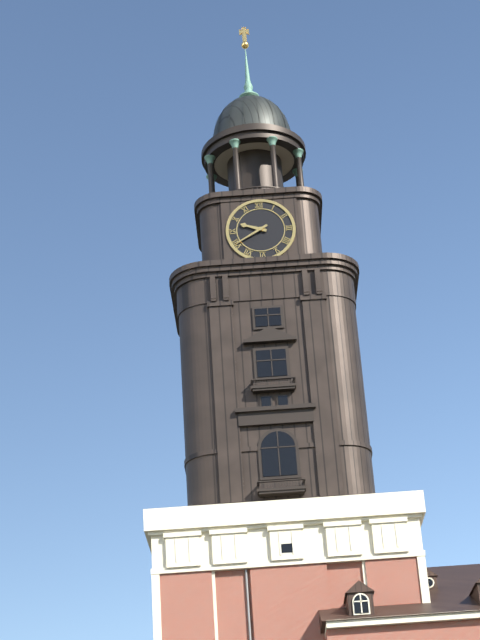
9:40
